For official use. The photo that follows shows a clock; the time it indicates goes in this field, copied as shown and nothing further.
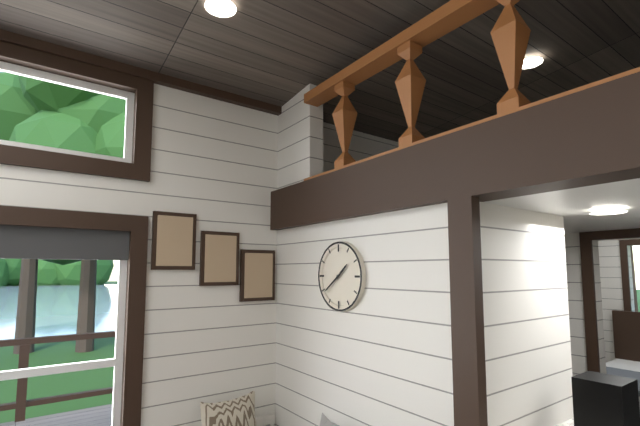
1:39
